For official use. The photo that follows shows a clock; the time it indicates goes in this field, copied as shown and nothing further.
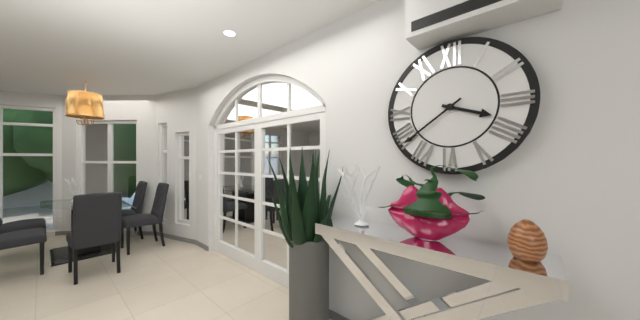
3:39
